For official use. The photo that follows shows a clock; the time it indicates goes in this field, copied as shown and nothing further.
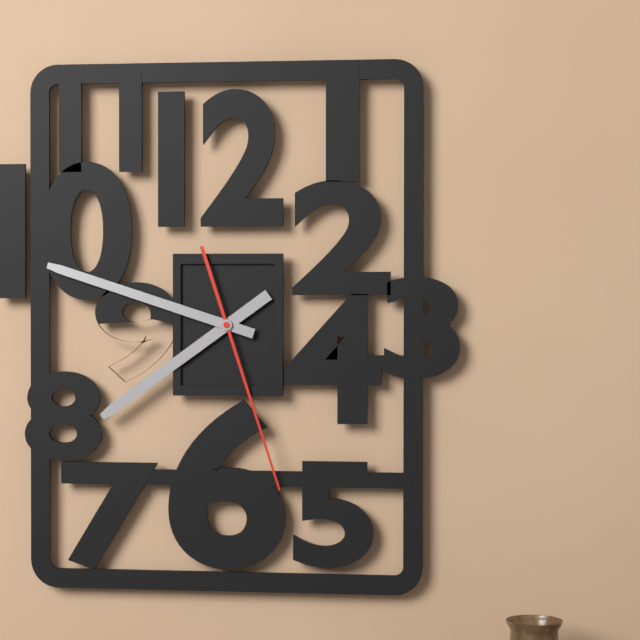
7:48:27
